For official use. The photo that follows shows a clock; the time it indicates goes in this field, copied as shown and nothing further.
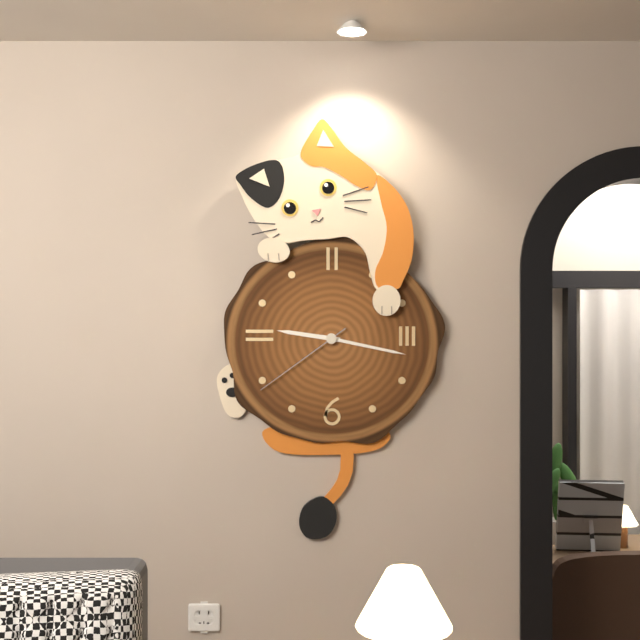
9:17:39
